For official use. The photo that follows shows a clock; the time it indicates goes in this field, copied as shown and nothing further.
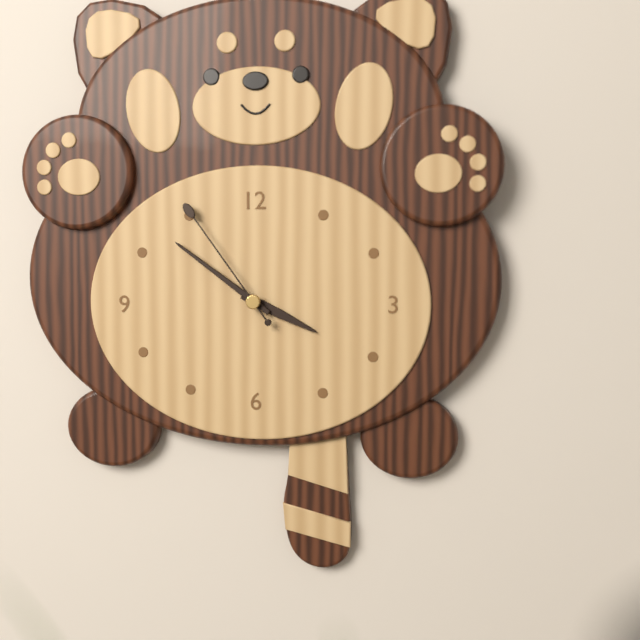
3:51:54
